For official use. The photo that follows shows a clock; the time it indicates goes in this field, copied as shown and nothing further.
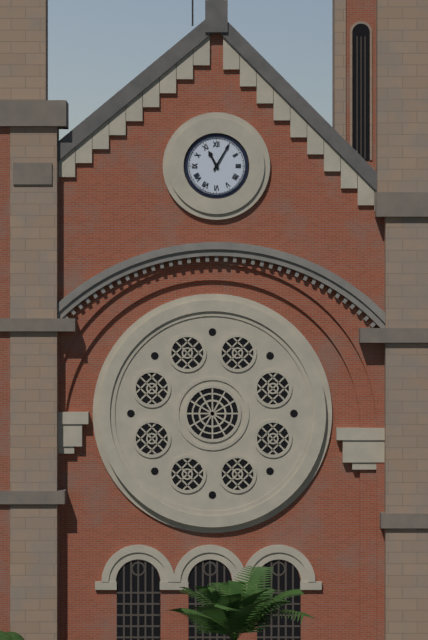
11:05
